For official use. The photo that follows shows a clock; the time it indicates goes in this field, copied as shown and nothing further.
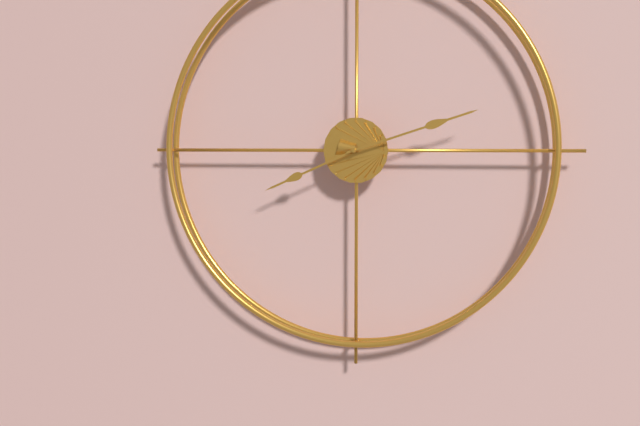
8:12
